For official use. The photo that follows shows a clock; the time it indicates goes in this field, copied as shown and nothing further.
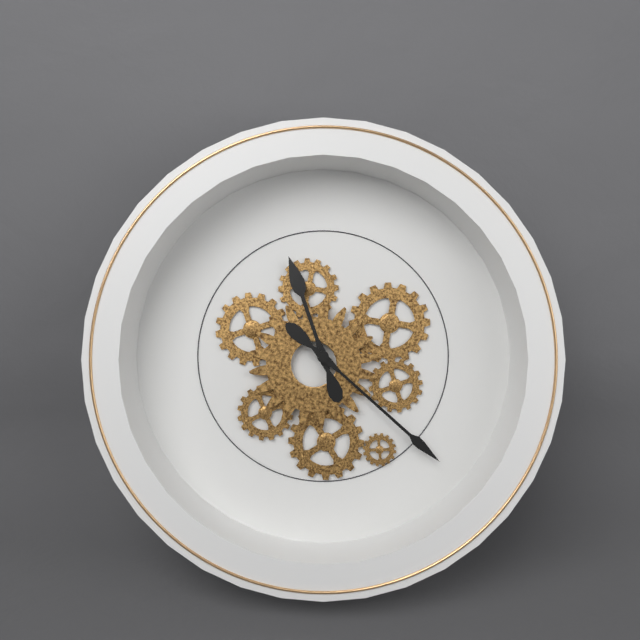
11:22
